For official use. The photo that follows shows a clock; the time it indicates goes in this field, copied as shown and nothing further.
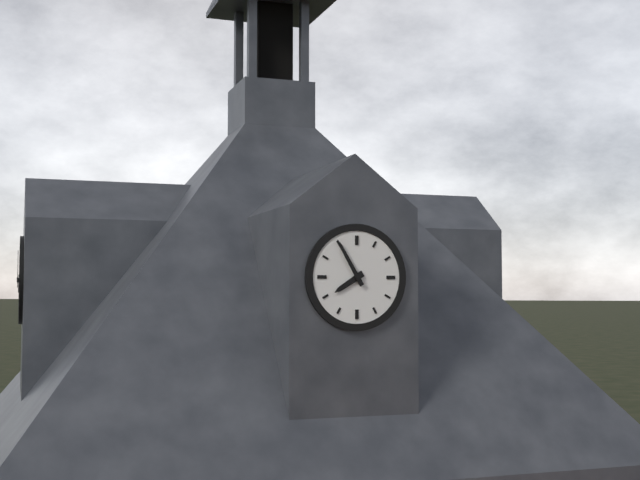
7:55
